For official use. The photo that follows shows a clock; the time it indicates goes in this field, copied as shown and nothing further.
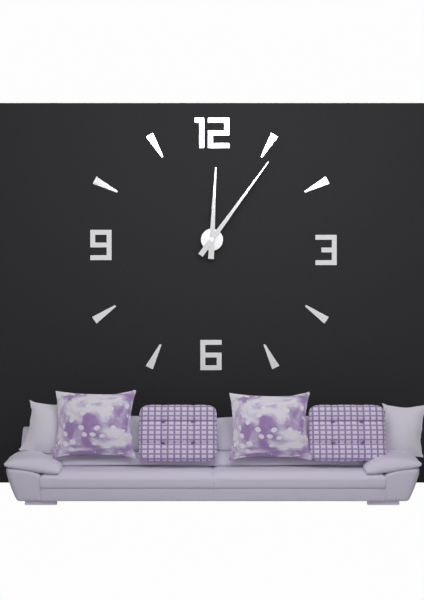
12:06
